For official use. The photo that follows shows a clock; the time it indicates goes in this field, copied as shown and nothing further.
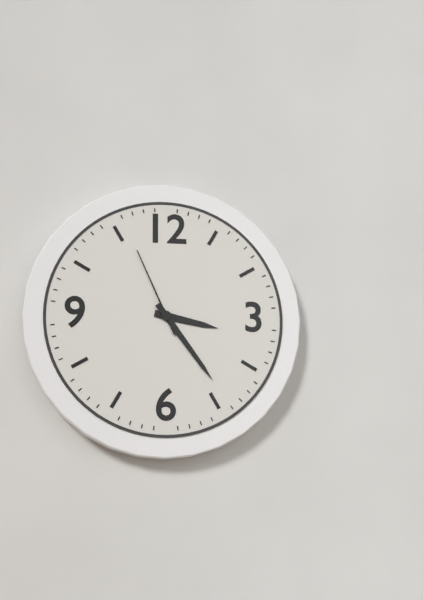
3:24:56
